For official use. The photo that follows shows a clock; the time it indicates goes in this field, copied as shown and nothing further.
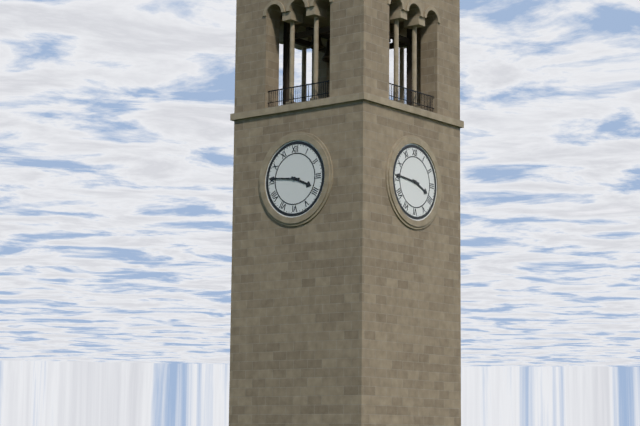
3:46
